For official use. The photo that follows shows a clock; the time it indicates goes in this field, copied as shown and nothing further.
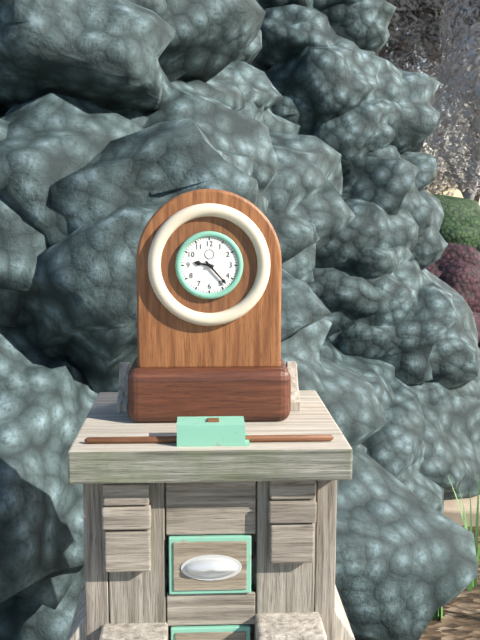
9:23
